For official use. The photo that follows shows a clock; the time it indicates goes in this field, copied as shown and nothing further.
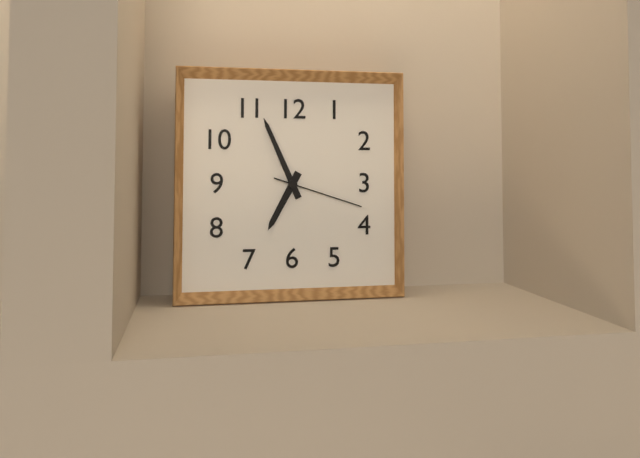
6:56:18
